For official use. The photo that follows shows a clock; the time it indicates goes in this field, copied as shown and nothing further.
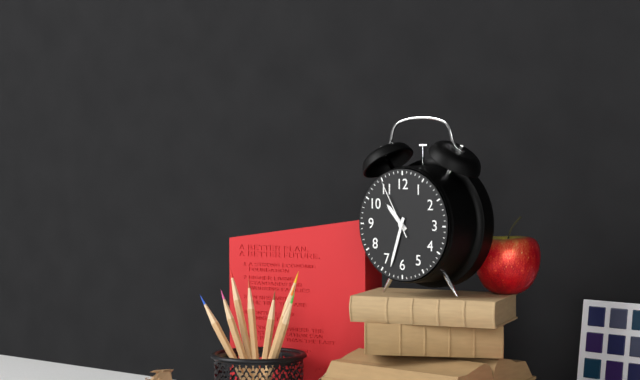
10:33:55
